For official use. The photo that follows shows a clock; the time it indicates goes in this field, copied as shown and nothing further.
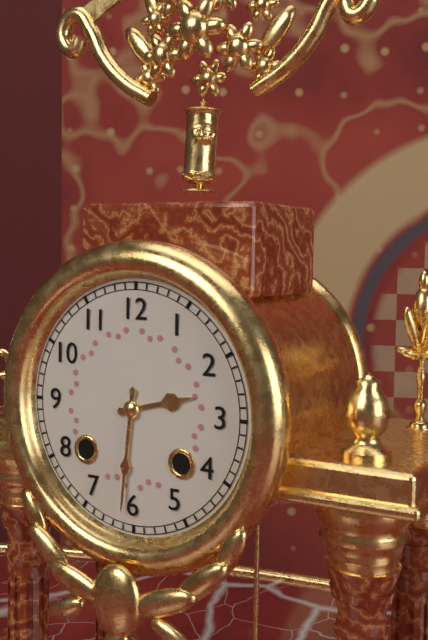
2:31
